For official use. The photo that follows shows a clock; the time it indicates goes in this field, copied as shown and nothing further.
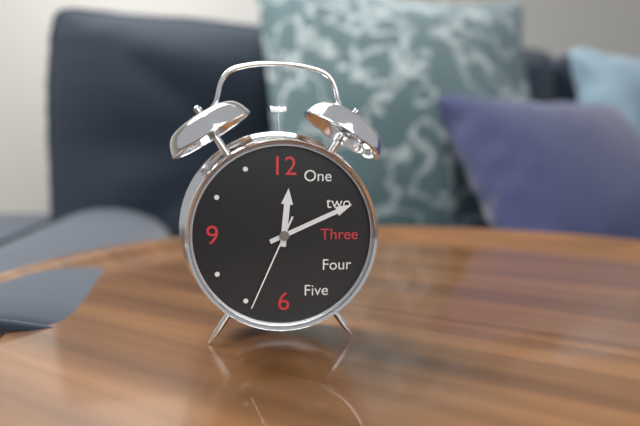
12:11:34
